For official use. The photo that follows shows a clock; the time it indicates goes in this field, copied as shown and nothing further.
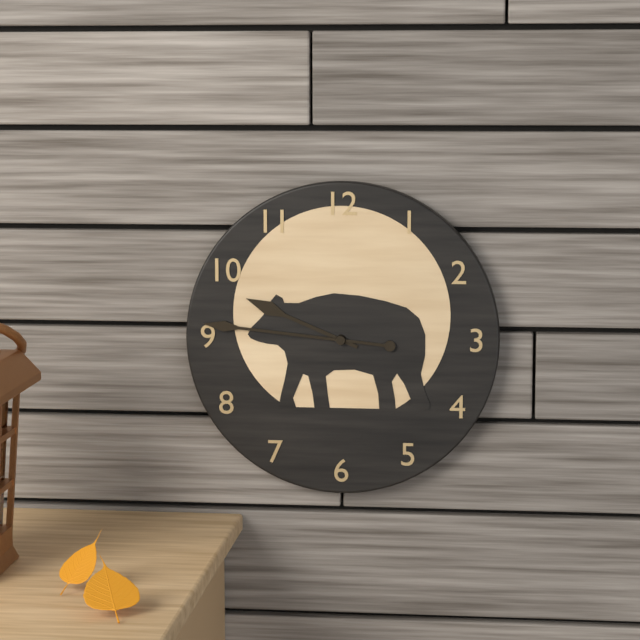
9:46
